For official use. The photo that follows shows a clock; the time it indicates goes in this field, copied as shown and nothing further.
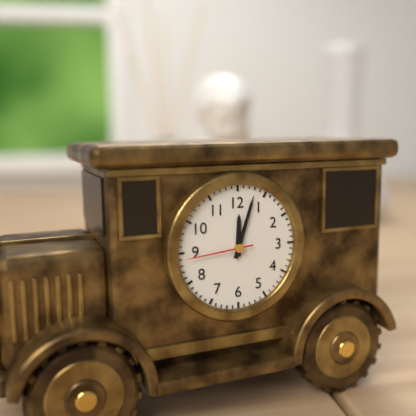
12:03:44
